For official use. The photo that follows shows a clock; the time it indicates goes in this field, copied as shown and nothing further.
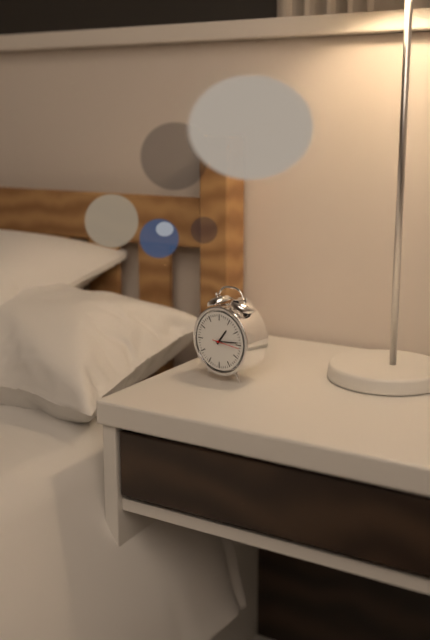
1:14
